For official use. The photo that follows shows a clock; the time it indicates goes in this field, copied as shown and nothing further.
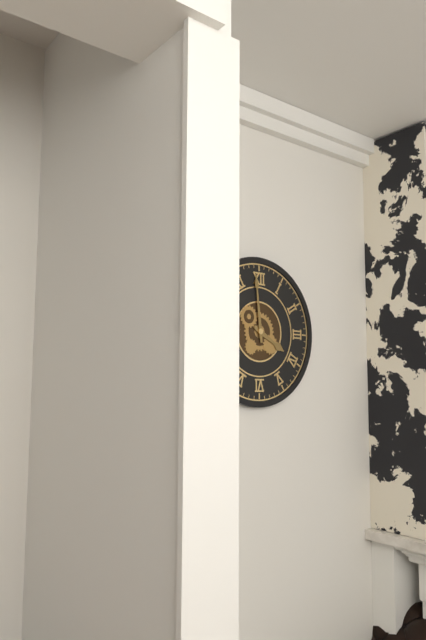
3:59
